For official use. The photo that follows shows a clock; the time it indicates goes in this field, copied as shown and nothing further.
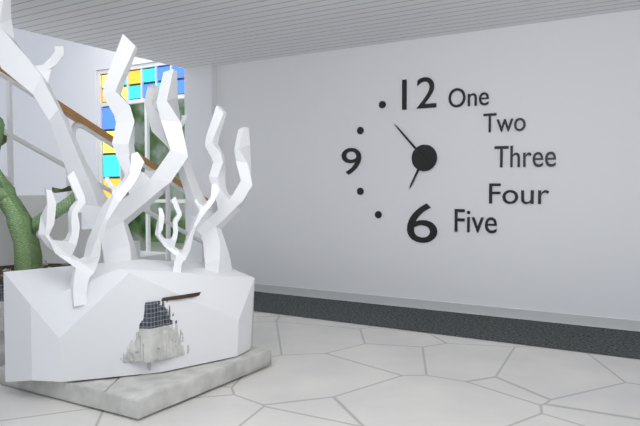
6:53
